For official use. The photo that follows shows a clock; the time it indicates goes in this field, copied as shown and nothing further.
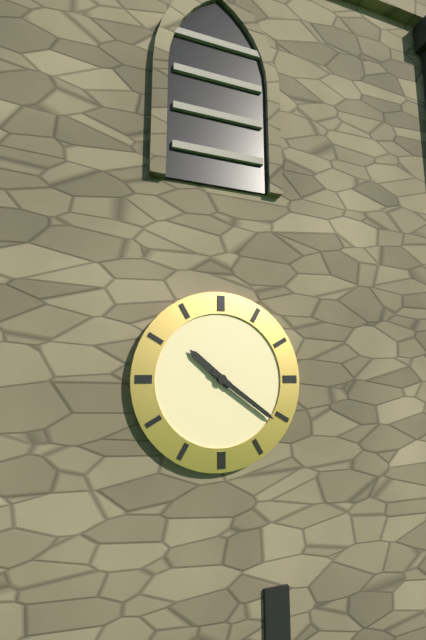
10:21
